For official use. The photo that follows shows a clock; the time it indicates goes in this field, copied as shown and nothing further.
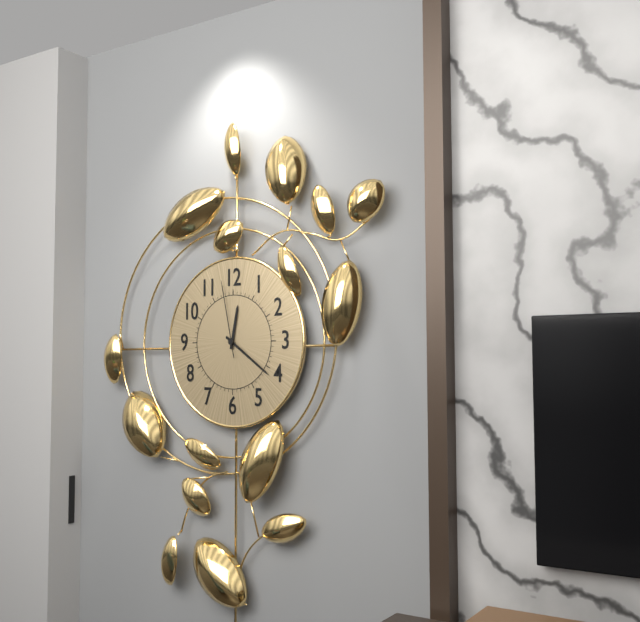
12:21:58
